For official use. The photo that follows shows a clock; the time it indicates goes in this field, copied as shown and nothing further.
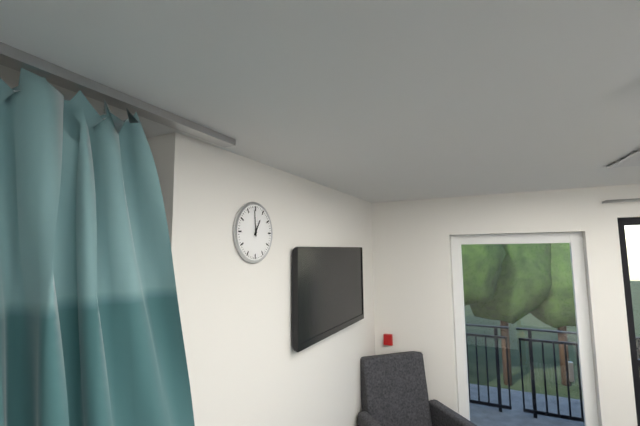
12:59
